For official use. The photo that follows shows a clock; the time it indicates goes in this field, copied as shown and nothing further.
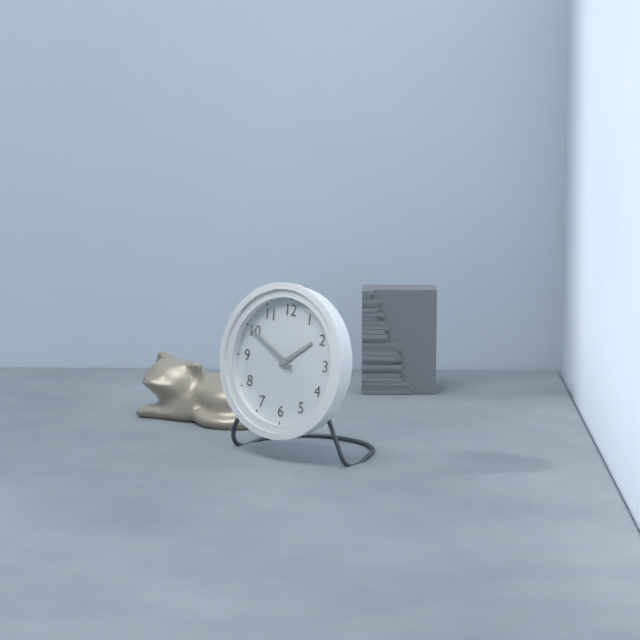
1:50
